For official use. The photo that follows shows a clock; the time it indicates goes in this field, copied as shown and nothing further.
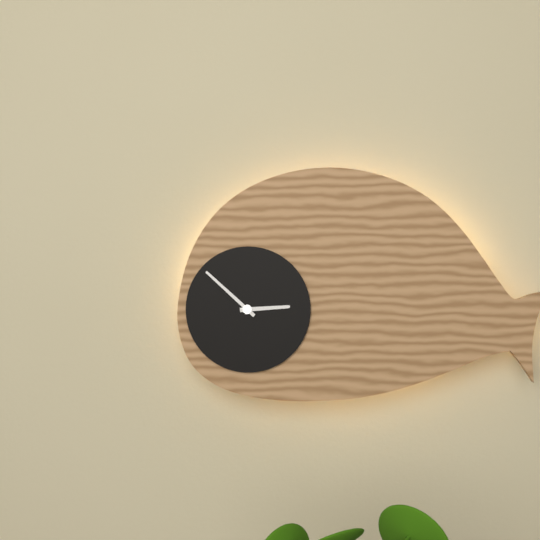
2:52
